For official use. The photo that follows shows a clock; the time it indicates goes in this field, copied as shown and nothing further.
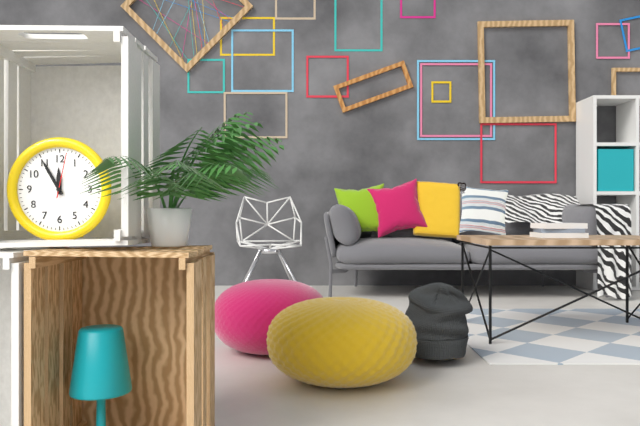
11:55
